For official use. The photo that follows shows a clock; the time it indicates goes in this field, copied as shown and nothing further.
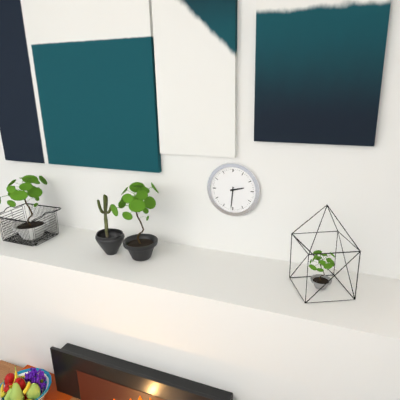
2:31
